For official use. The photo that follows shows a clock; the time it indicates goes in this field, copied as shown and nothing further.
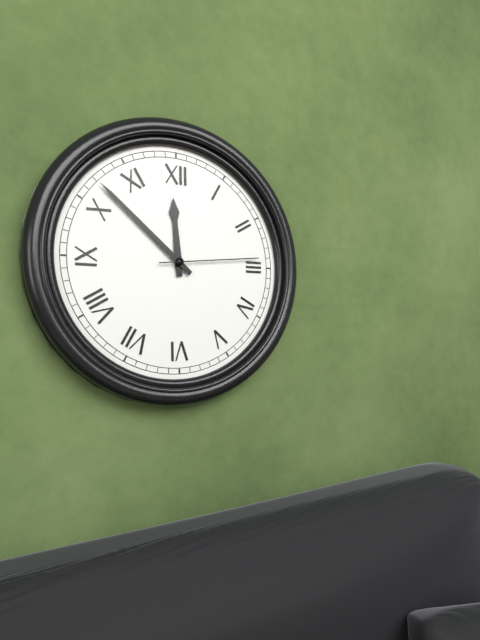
11:52:14
